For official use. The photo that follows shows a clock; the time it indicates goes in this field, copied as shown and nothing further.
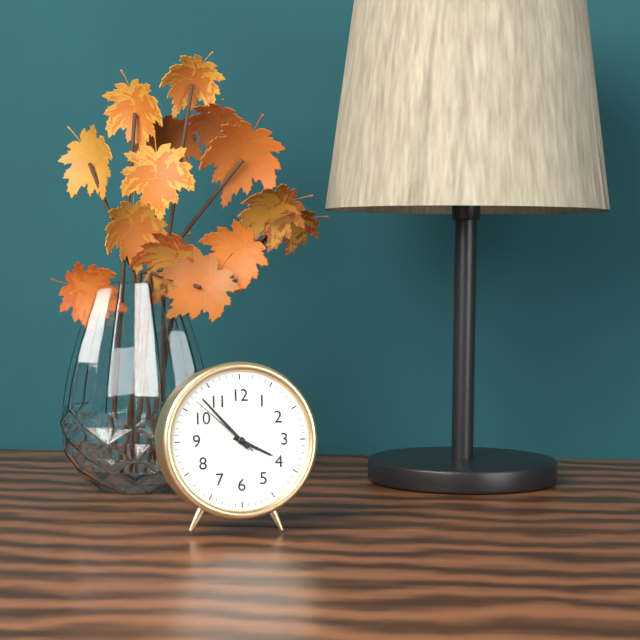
3:53:52
